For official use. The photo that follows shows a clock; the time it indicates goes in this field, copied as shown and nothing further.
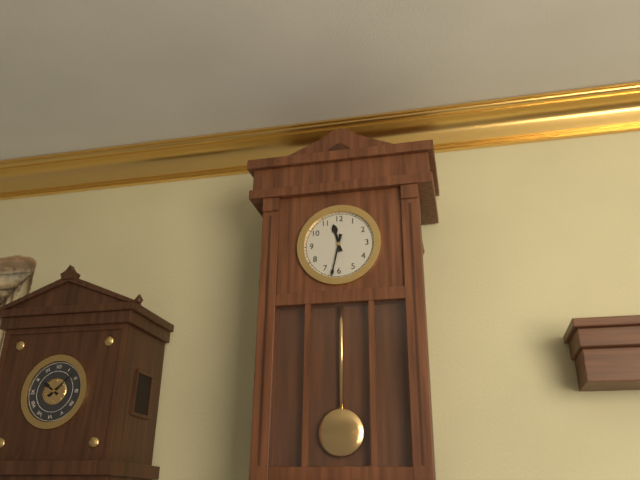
11:32
